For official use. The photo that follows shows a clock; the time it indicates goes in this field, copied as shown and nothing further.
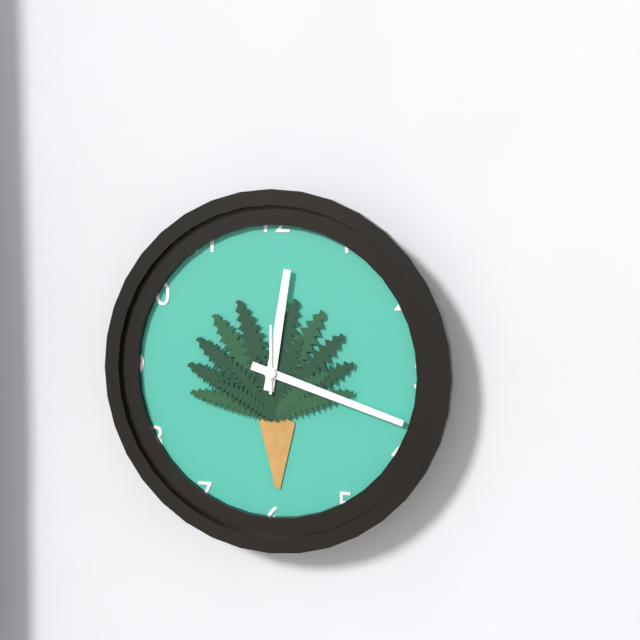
12:18:00
